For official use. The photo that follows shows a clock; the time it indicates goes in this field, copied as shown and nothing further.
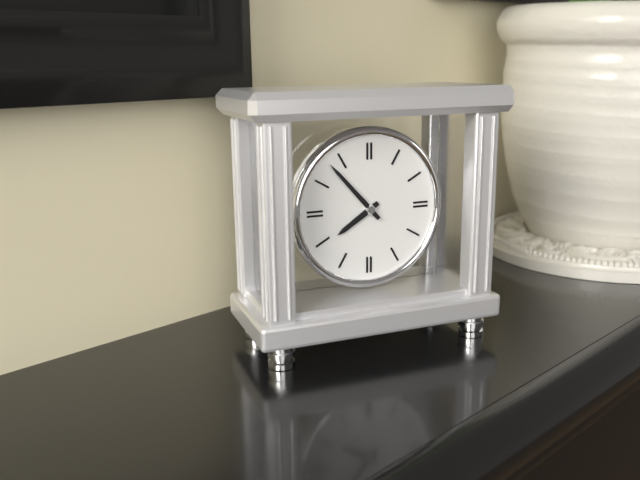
7:53
